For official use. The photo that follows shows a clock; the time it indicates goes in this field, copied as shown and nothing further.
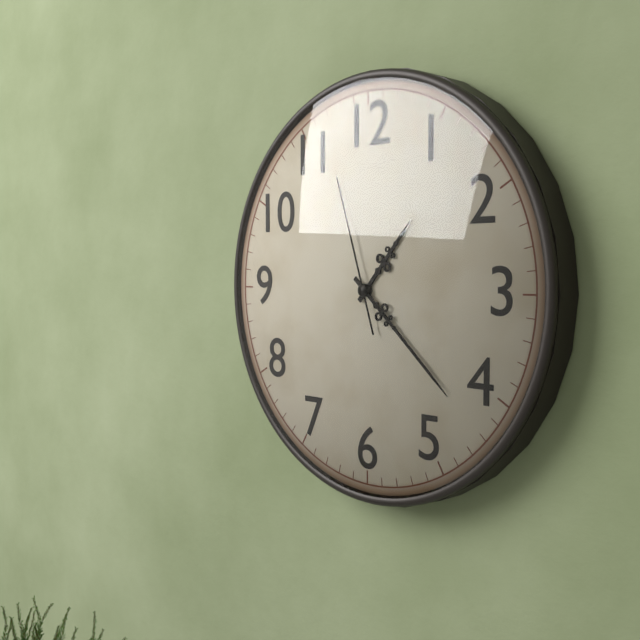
1:22:57
